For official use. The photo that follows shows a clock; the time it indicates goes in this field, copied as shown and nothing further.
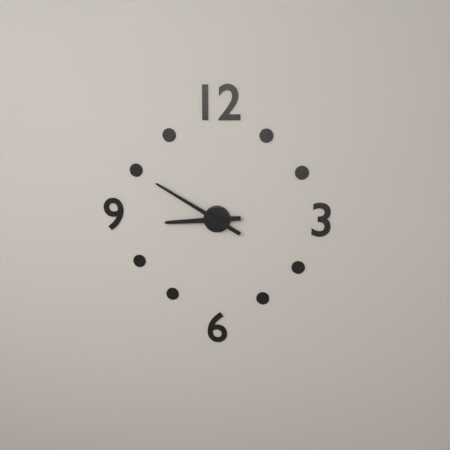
8:50
